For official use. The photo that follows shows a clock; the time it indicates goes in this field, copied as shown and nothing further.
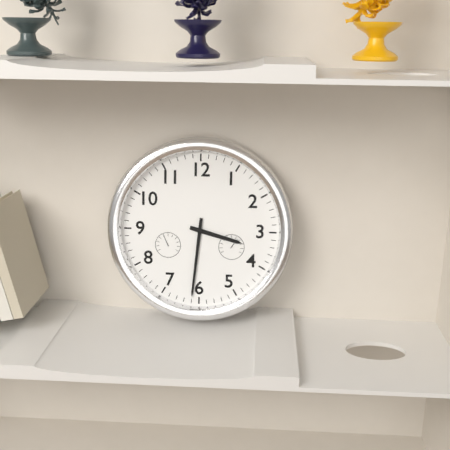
3:31
